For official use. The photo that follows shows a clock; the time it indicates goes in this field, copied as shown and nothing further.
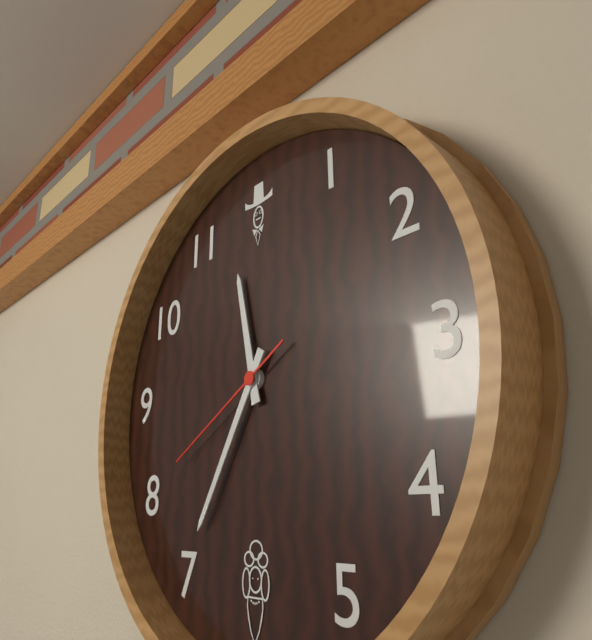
11:35:40
